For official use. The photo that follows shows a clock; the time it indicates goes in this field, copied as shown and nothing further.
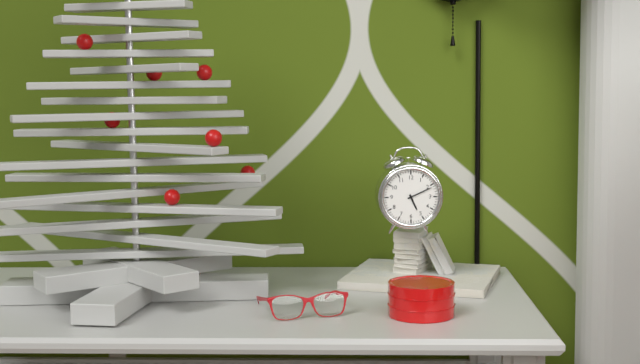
5:11
